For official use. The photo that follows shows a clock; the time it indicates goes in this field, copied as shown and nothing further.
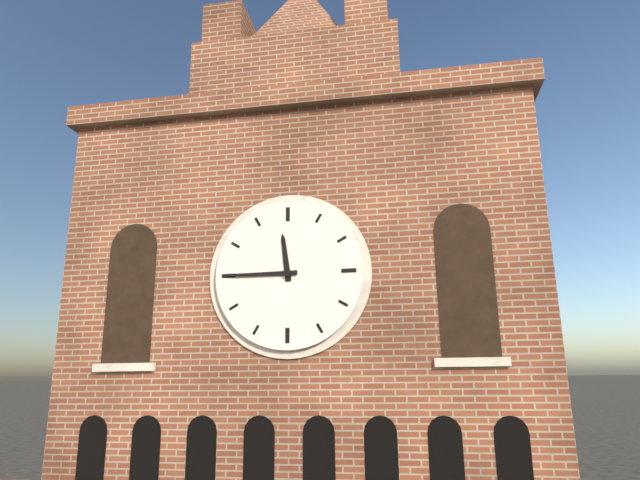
11:45
